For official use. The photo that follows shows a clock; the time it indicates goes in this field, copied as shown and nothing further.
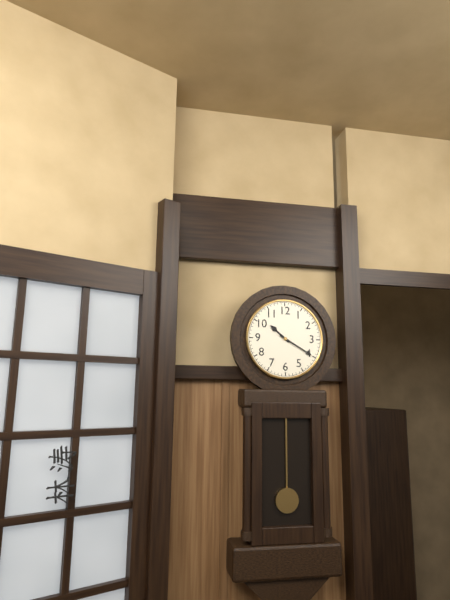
10:20
